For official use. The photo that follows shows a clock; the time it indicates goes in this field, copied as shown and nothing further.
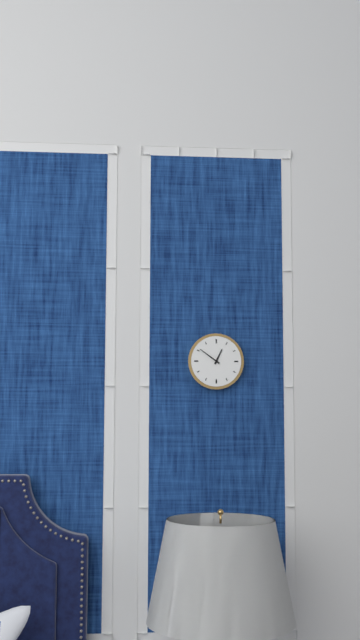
12:51
